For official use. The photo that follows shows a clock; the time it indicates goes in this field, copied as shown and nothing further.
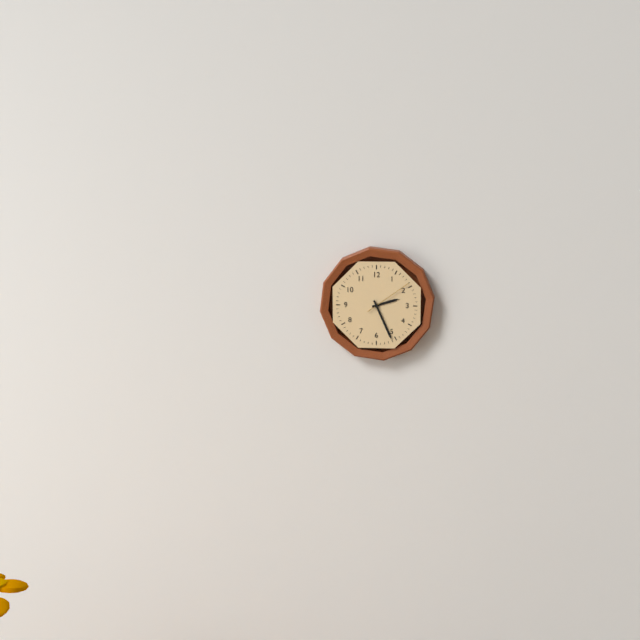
2:26
